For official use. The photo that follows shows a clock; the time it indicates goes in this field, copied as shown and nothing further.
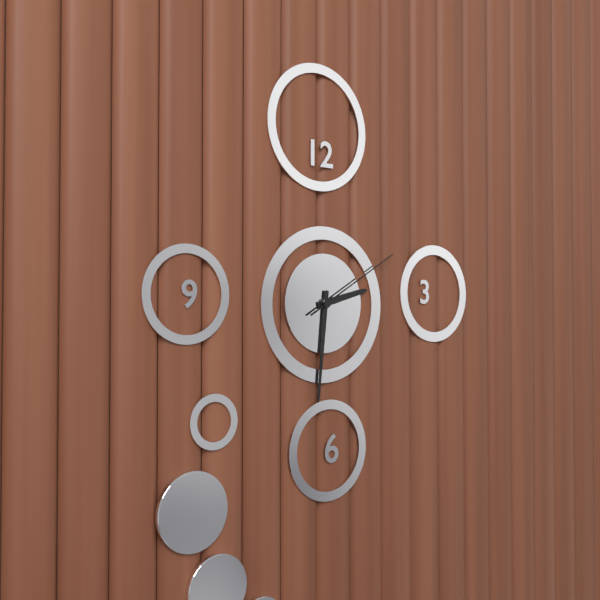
2:31:10
